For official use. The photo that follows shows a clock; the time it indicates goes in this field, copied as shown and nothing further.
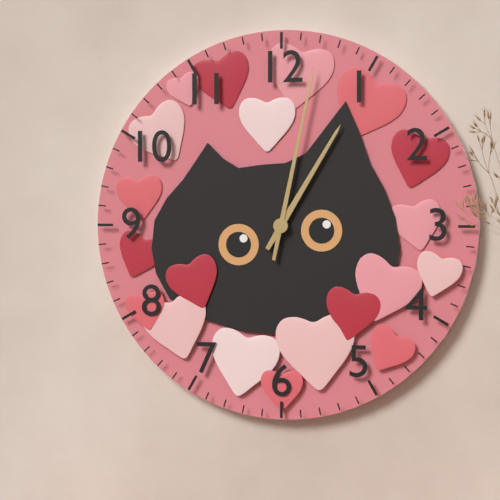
1:02
